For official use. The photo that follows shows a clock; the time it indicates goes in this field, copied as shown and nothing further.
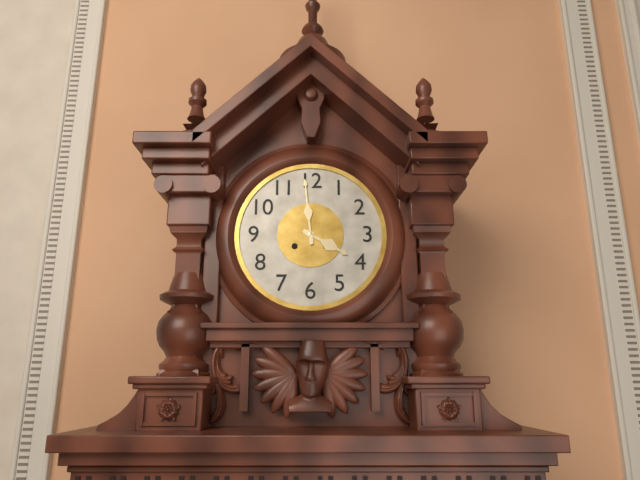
3:59
